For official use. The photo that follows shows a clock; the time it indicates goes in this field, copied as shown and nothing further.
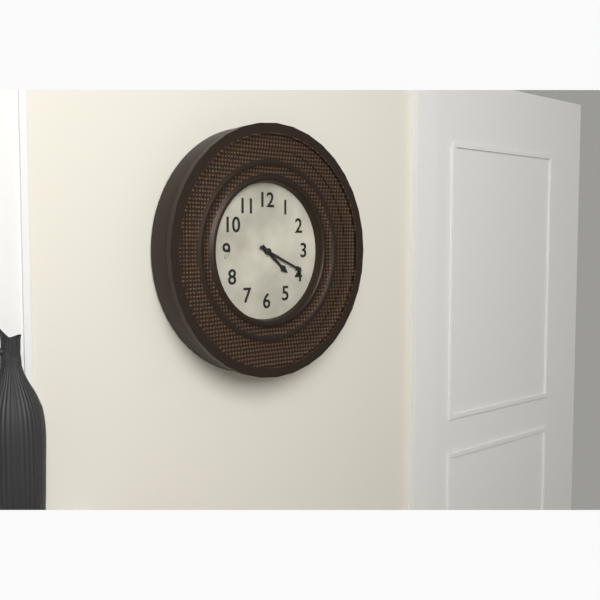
4:19
